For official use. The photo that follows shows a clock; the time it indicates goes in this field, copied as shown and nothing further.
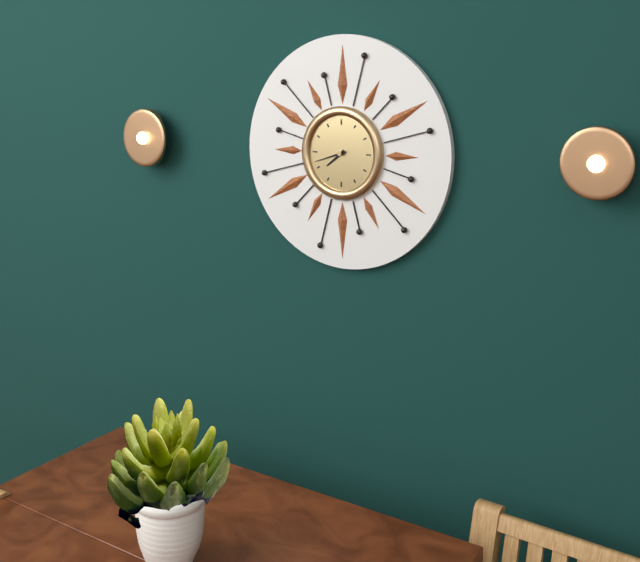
7:42
